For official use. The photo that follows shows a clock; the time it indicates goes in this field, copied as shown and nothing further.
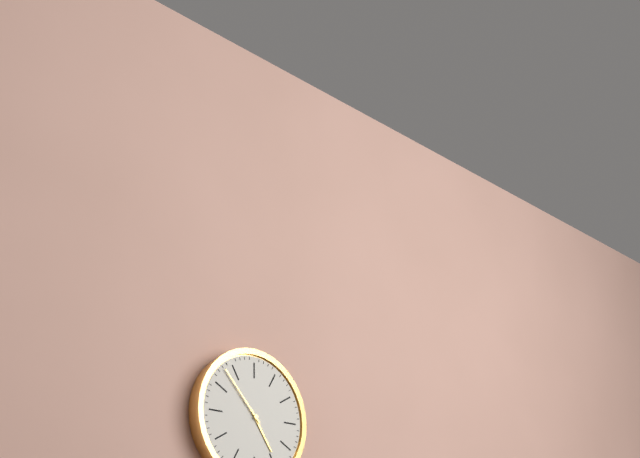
4:53
